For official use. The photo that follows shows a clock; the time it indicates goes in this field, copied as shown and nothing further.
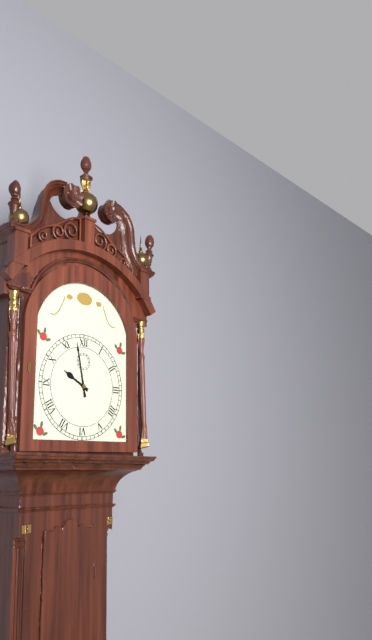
9:58
